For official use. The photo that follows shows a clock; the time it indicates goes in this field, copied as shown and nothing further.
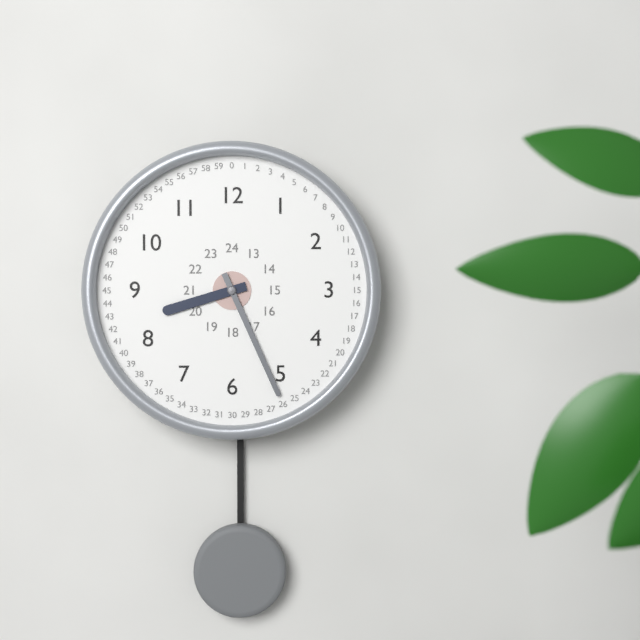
8:26
